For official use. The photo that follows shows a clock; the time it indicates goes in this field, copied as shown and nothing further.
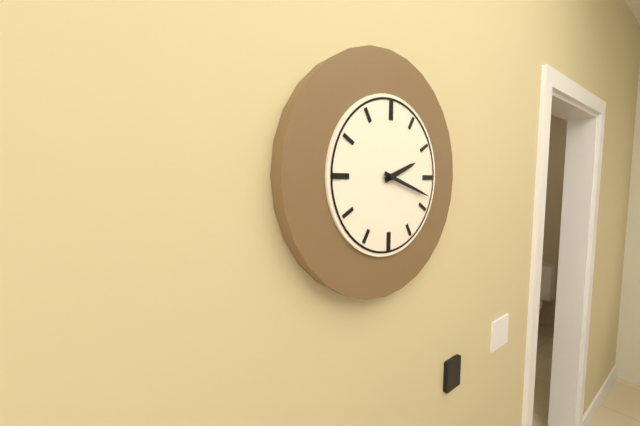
2:18
